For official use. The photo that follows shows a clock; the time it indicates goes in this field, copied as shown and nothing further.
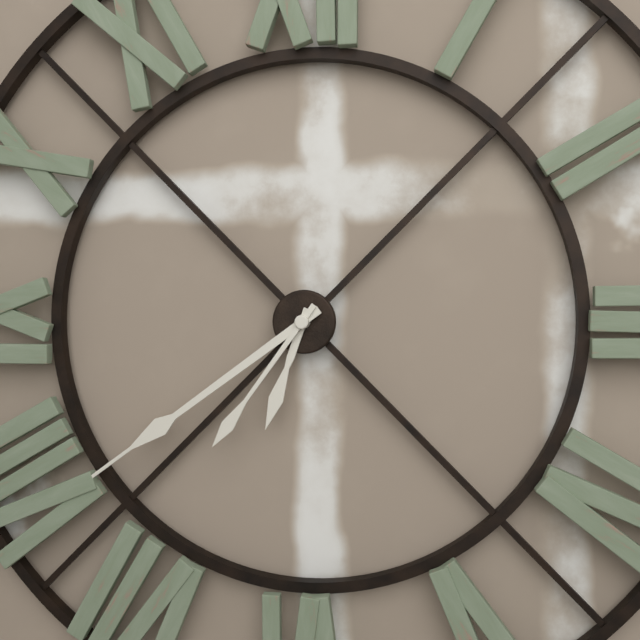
6:39:36
